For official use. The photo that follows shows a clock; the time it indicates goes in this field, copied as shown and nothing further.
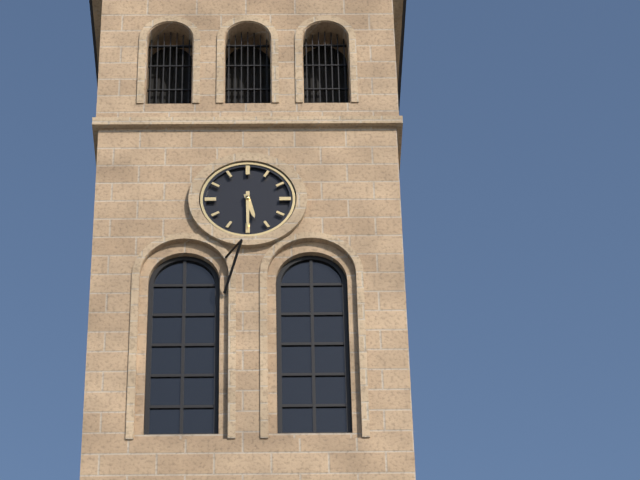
5:30
